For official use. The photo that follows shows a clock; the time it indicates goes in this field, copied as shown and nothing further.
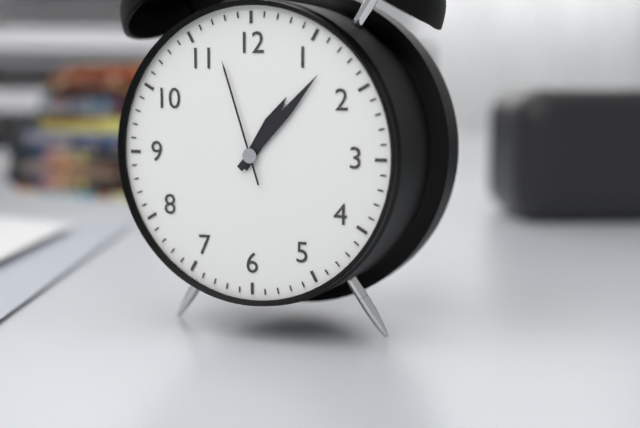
1:07:57
